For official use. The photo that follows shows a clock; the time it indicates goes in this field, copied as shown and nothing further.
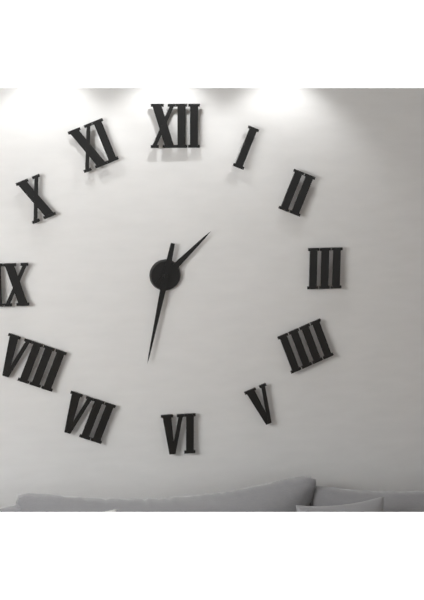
1:32
